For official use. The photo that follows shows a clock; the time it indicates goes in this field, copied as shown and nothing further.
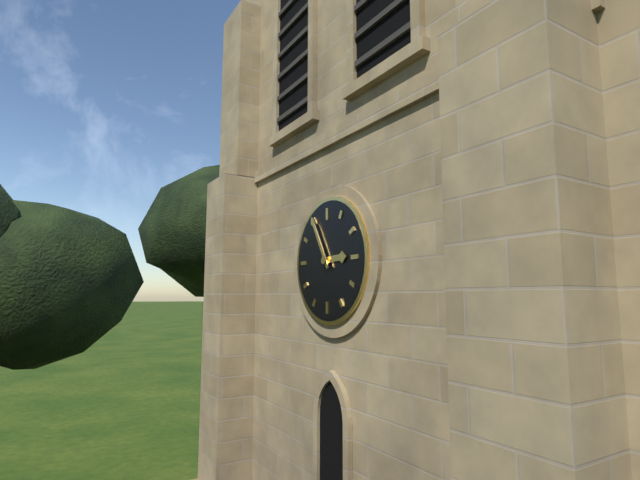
2:55
